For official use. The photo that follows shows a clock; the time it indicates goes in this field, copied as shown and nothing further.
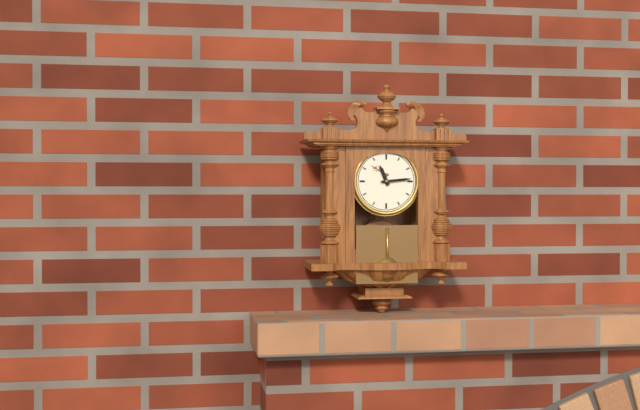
11:14
